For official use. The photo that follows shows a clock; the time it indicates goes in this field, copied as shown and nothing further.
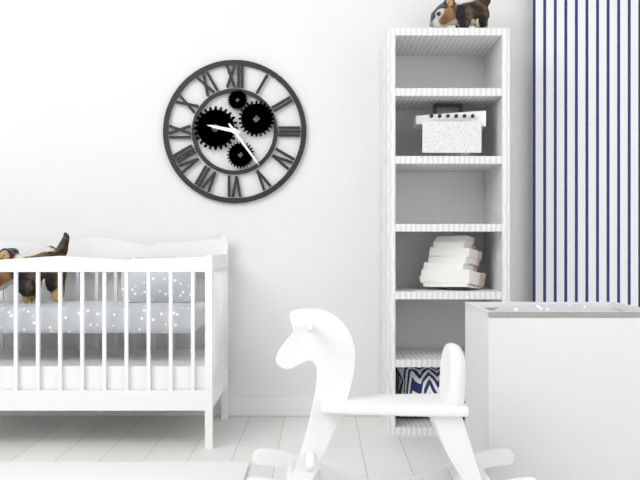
9:24
